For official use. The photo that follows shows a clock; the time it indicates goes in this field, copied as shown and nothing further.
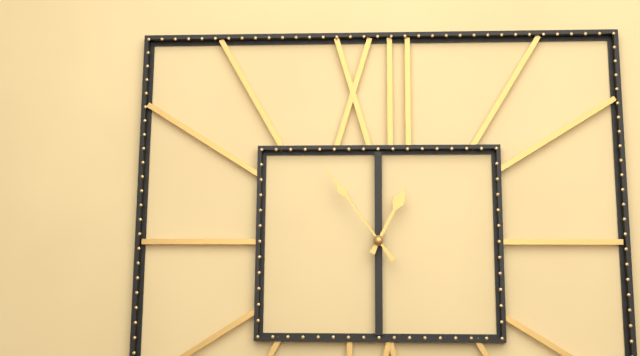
12:54
